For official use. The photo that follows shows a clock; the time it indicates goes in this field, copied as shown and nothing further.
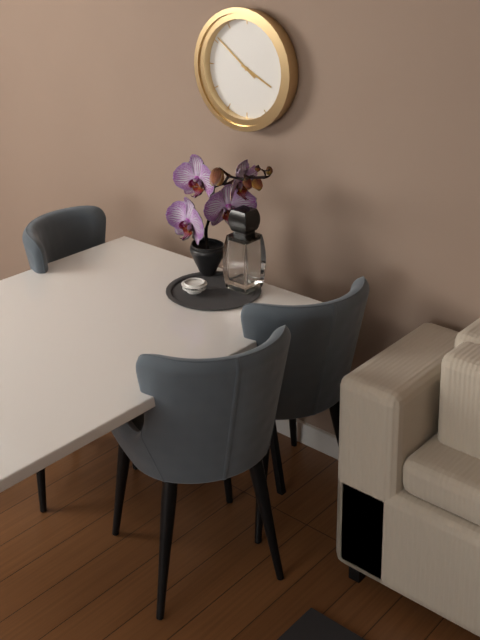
3:51
